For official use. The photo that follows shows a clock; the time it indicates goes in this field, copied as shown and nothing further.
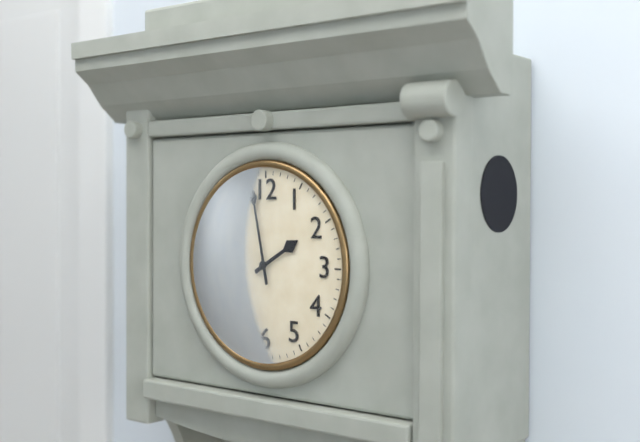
1:58
